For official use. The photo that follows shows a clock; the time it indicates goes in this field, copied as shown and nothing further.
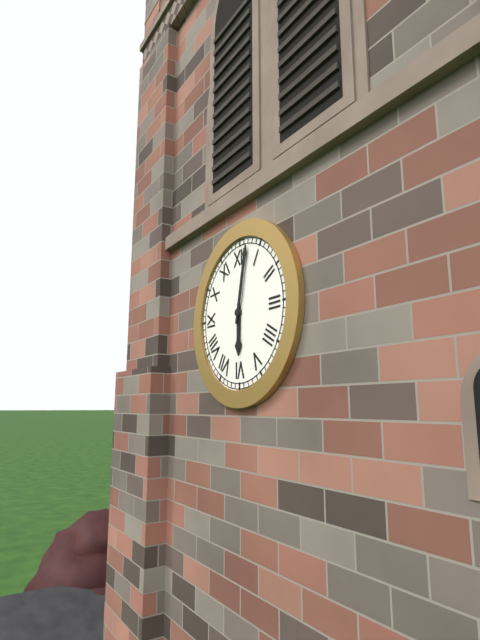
6:02
